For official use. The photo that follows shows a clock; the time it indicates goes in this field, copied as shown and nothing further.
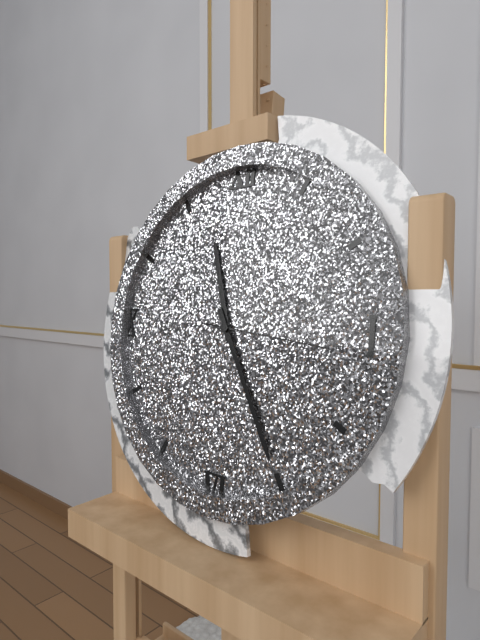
11:25:16
